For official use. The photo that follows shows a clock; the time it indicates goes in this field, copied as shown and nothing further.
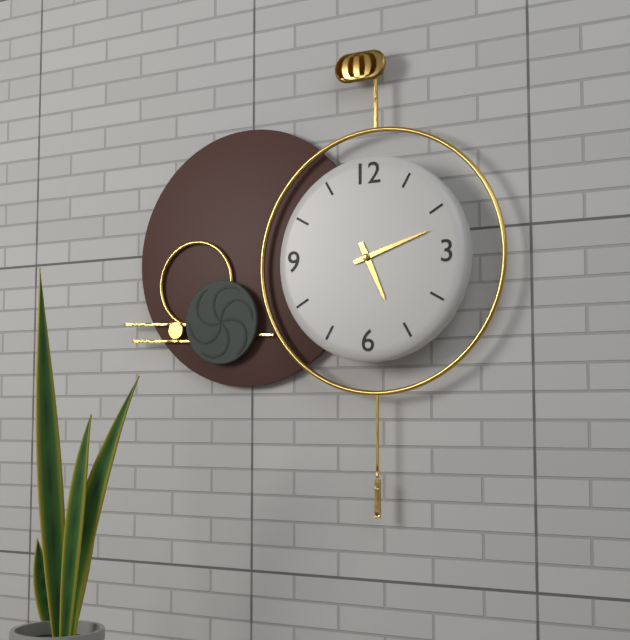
5:12
